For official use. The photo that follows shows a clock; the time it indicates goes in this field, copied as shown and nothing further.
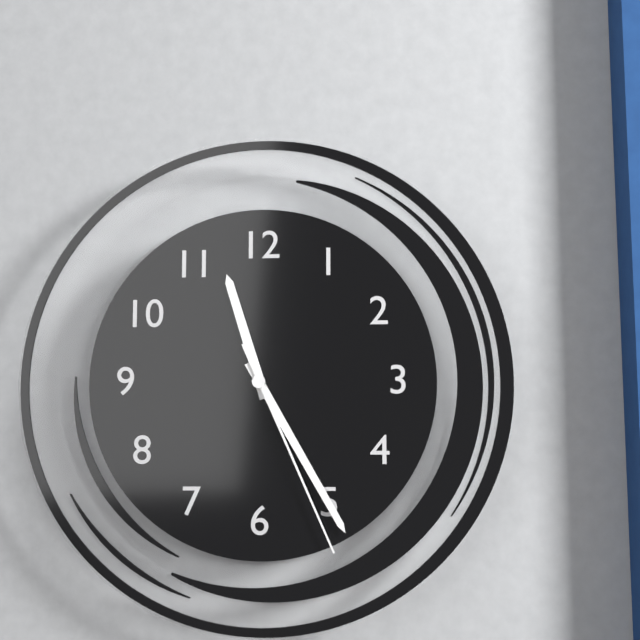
11:25:26
